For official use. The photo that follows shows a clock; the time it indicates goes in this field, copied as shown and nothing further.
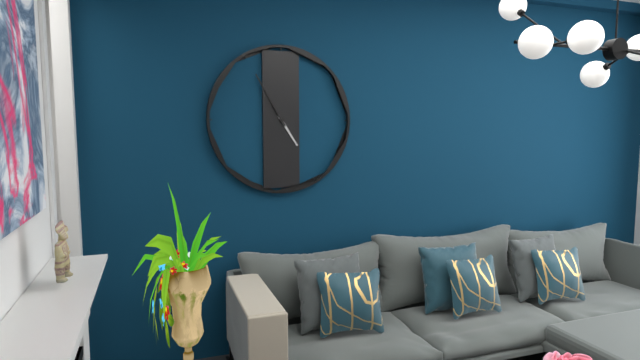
4:55
